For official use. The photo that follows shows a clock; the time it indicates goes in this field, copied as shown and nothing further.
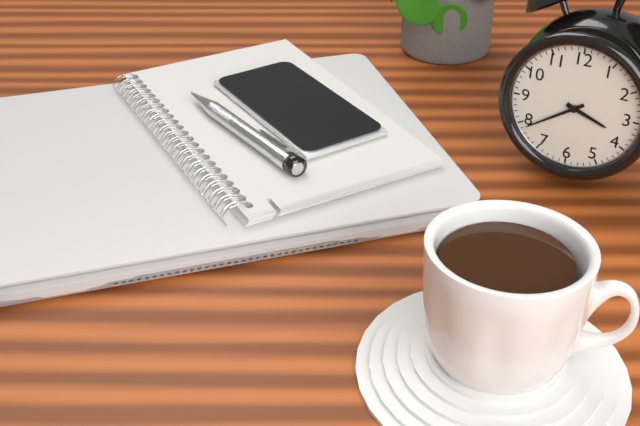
3:39
